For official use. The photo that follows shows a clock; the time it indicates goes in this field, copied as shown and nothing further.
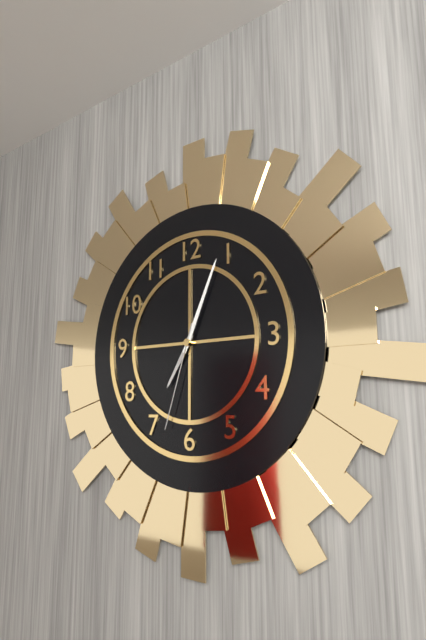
7:04:33
